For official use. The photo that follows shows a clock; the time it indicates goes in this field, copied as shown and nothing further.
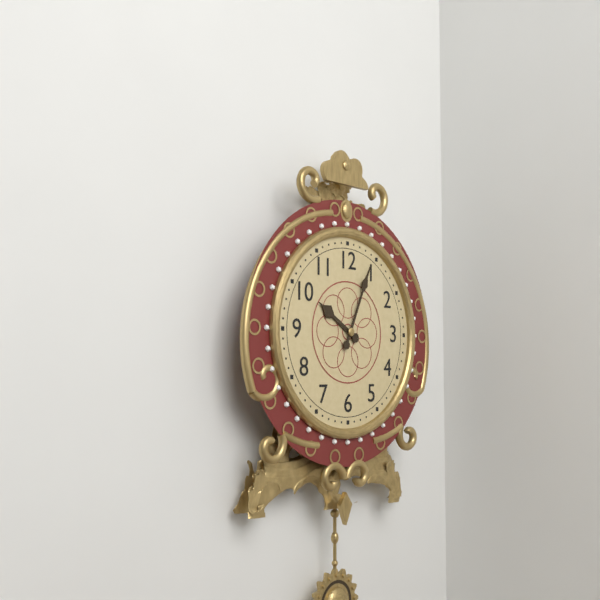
10:04
